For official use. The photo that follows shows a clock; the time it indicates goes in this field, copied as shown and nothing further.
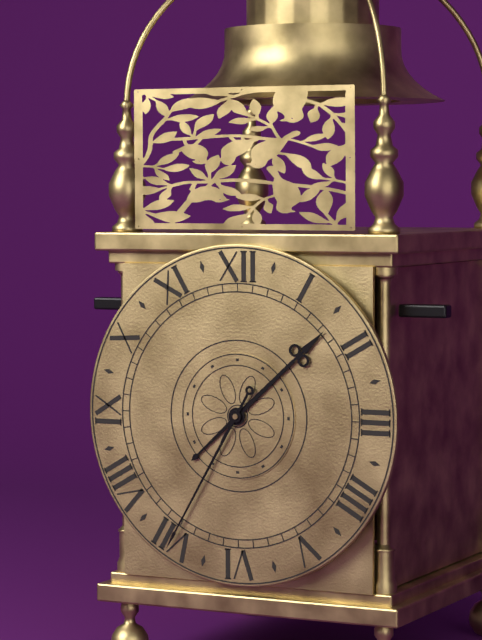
1:35
